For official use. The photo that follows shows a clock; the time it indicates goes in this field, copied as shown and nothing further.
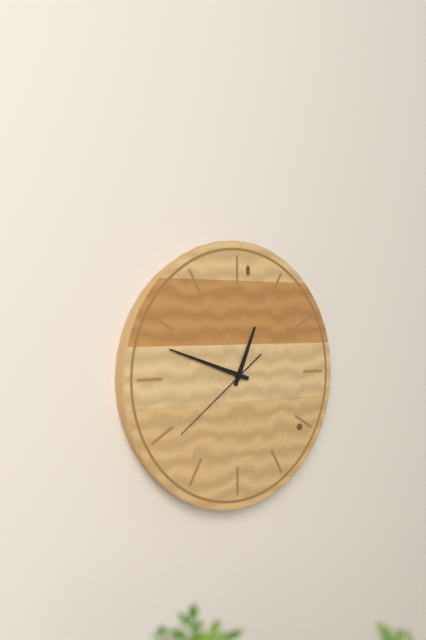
12:48:39
